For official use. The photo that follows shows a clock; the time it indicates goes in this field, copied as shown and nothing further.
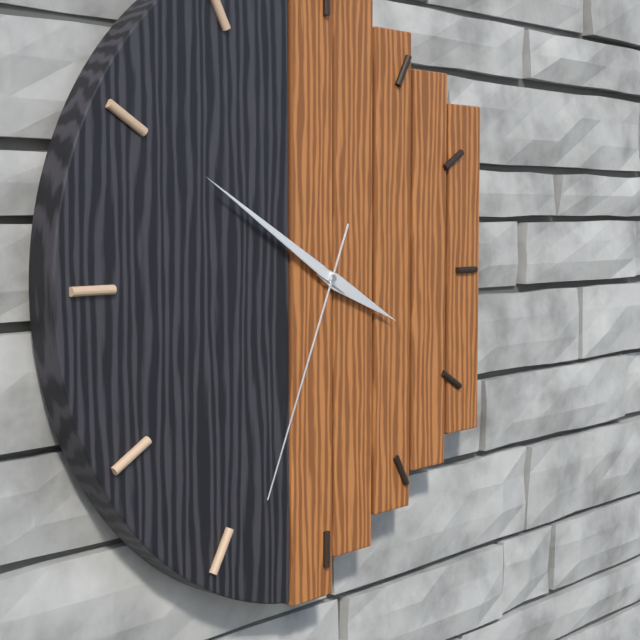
3:50:34
